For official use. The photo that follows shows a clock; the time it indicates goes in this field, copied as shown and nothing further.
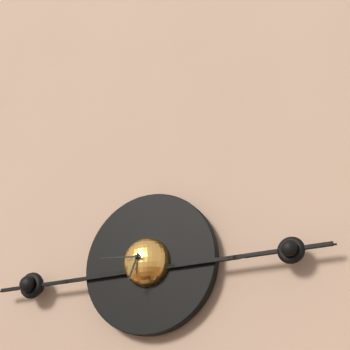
6:46
